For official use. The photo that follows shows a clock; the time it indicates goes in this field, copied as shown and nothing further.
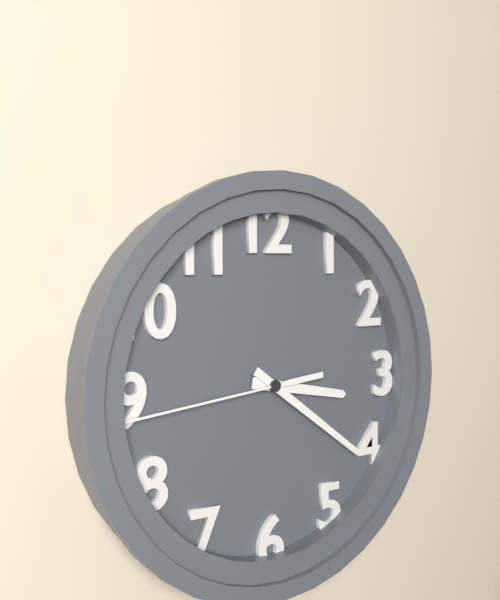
3:21:44
